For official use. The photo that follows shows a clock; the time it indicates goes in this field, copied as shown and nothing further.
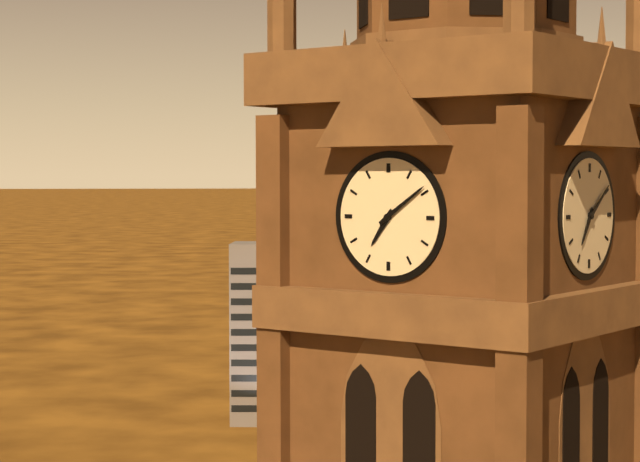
7:09
